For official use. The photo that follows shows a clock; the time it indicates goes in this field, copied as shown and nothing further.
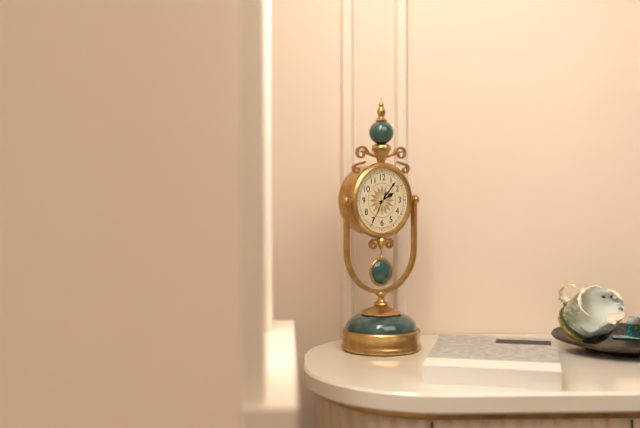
2:07
